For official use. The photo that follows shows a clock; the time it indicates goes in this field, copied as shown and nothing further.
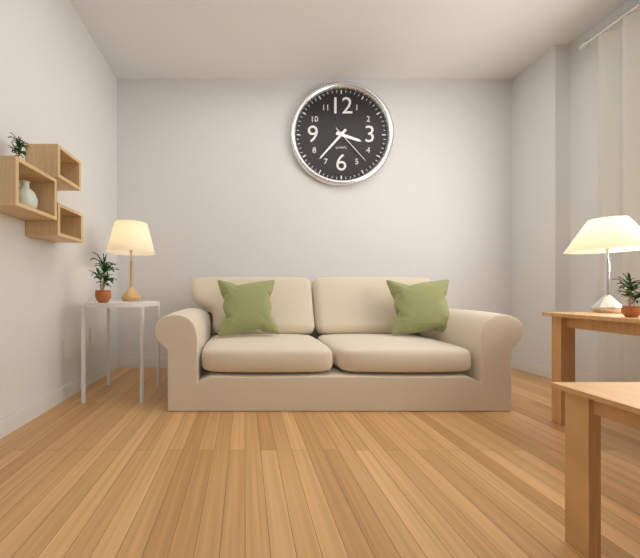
3:37
